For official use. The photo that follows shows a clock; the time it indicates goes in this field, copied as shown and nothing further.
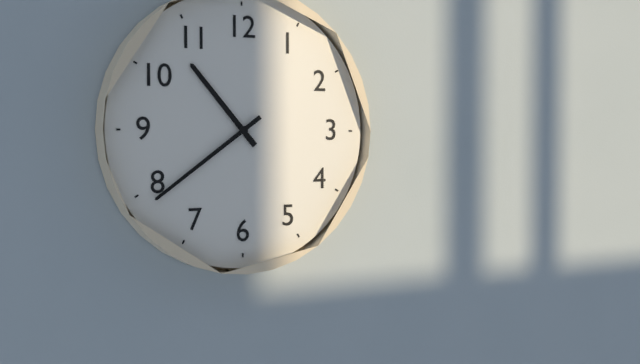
10:39
